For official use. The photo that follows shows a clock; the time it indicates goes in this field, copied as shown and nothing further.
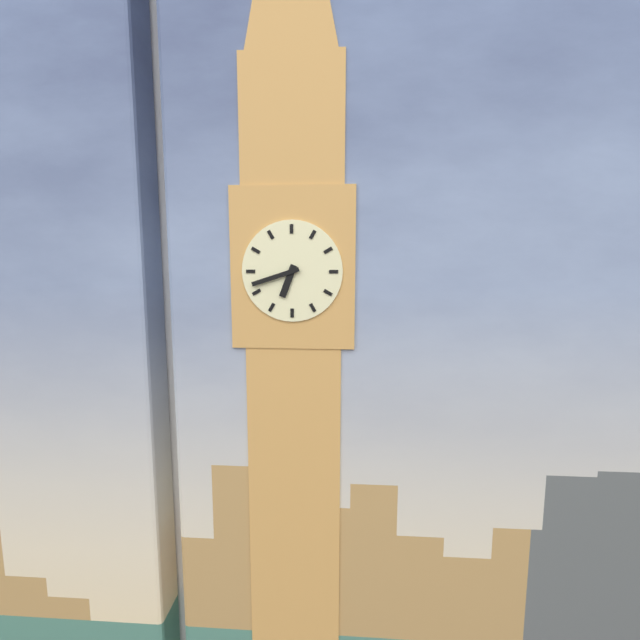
6:42
